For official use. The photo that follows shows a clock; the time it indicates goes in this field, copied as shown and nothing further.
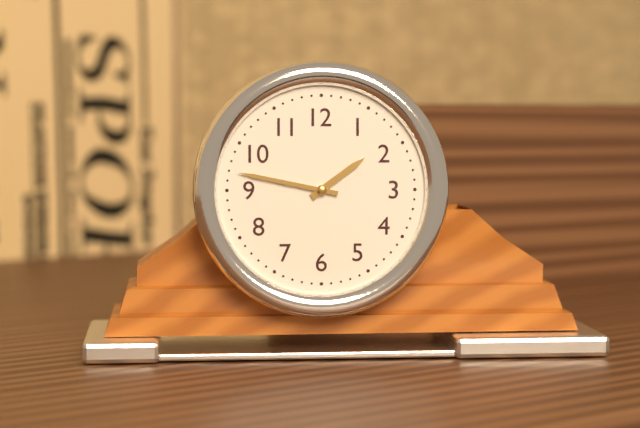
1:47
